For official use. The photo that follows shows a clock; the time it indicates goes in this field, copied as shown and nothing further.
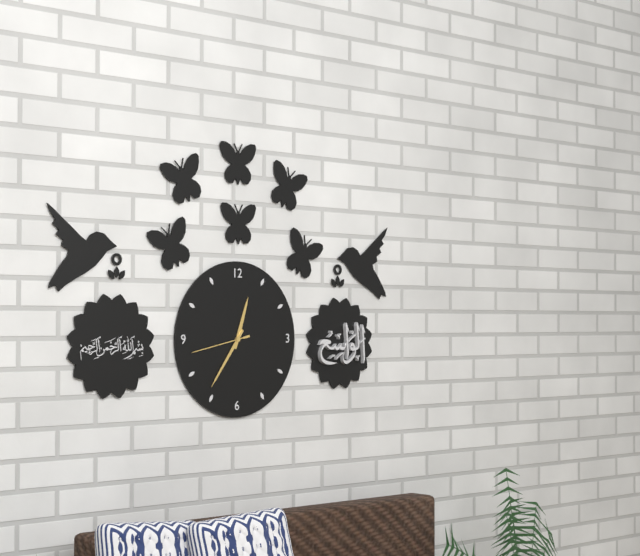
12:36:43
